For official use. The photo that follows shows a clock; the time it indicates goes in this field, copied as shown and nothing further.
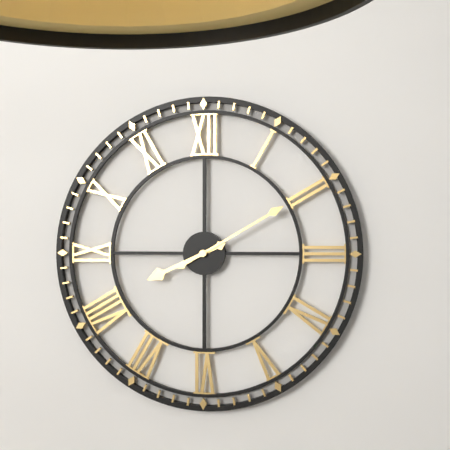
8:10
